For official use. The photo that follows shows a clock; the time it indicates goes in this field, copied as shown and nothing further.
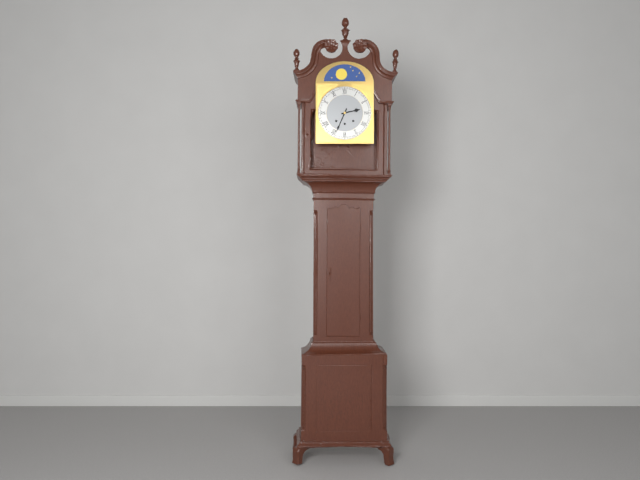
2:34
